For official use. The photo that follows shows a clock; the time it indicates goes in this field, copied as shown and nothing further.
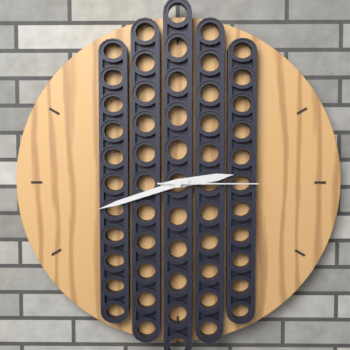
2:42:15
